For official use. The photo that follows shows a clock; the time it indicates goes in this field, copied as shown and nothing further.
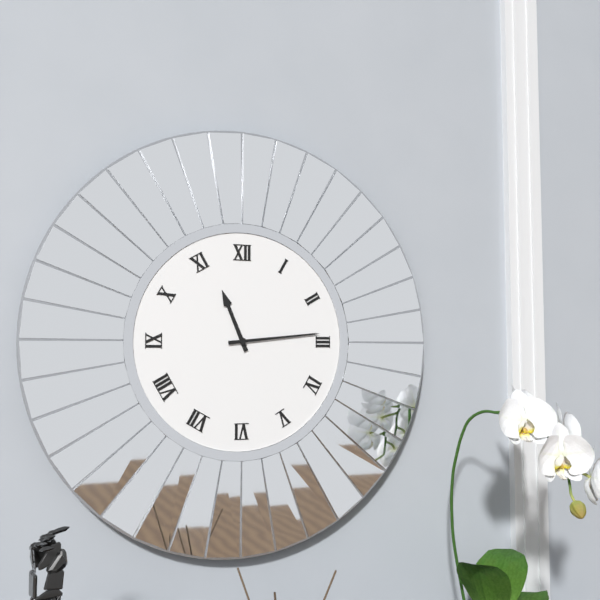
11:14
